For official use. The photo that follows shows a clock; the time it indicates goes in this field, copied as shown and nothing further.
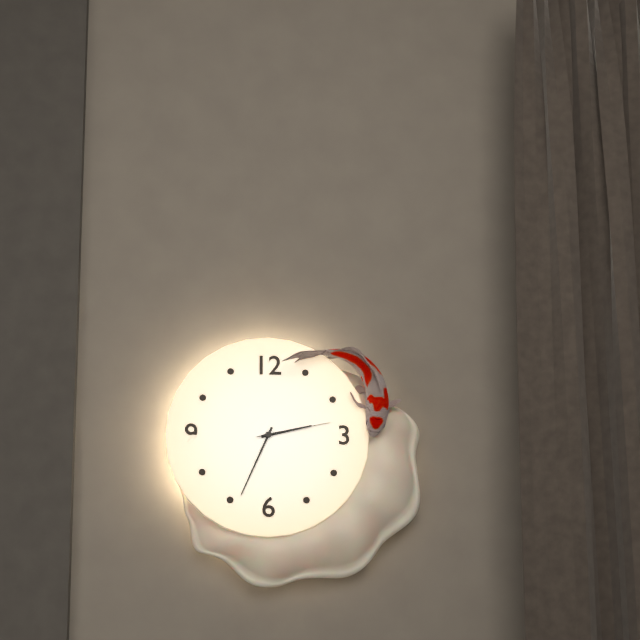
2:34:13
